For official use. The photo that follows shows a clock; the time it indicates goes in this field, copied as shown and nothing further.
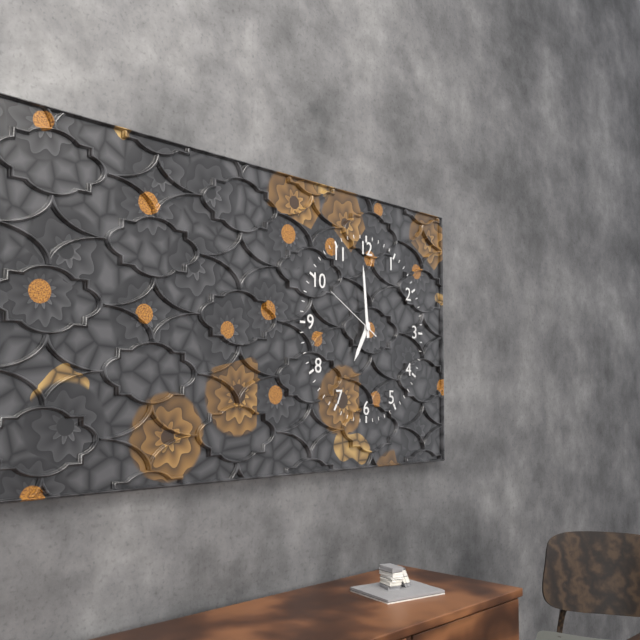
6:59:50
